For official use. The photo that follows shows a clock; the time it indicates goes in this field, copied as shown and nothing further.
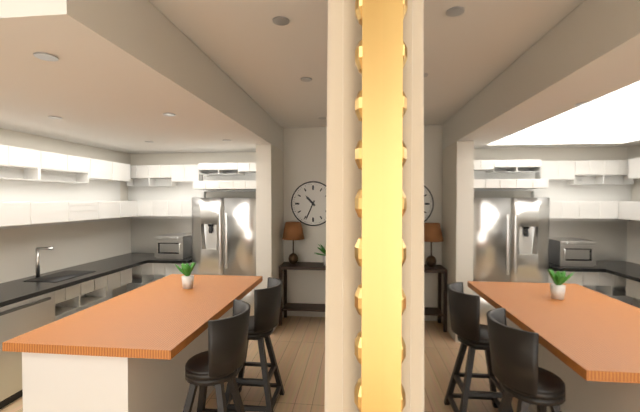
10:34
